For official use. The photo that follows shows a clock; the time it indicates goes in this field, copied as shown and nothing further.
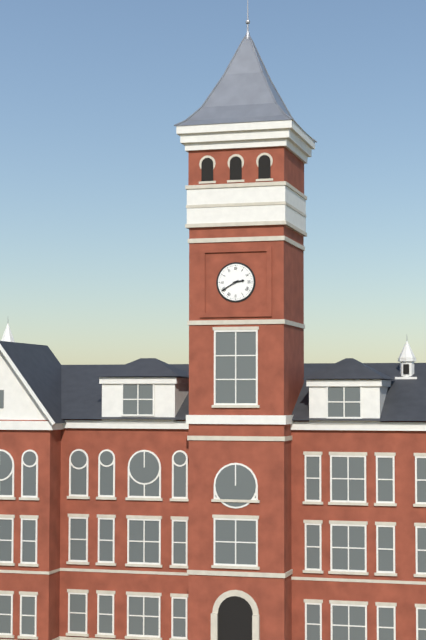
2:40
